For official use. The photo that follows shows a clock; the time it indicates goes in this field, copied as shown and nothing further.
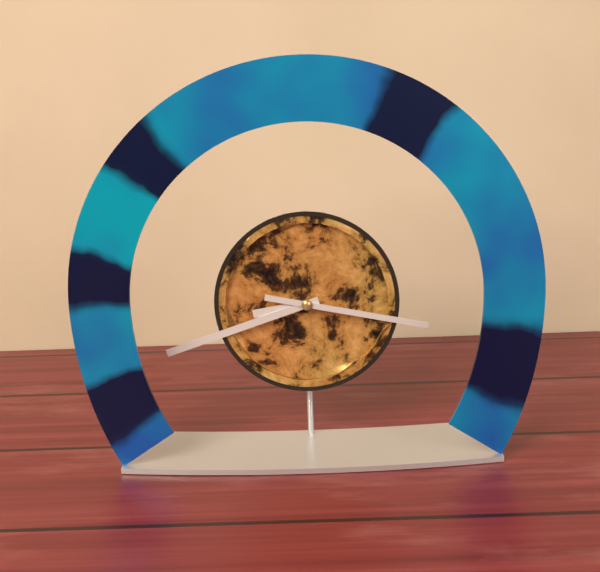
8:42:17
